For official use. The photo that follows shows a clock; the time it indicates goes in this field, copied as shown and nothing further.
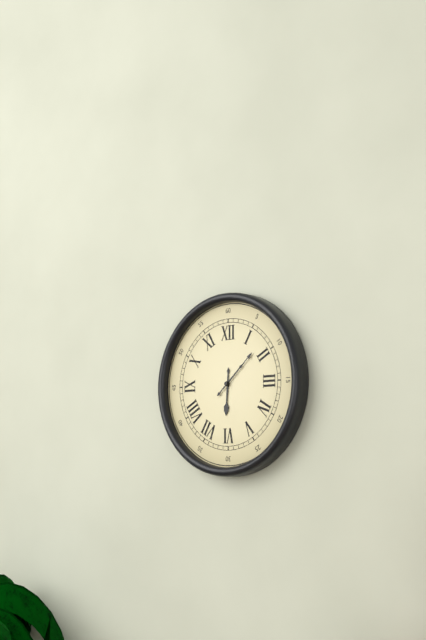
6:08
